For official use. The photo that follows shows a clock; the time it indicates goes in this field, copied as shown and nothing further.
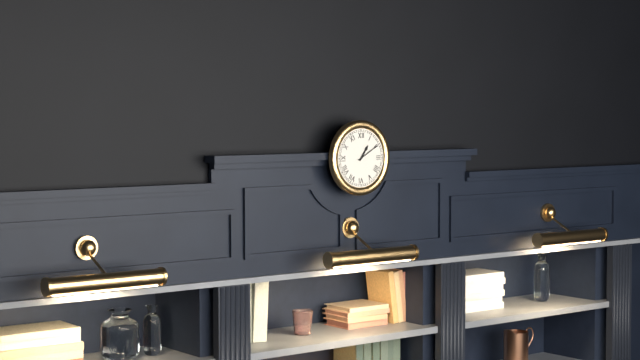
1:10
